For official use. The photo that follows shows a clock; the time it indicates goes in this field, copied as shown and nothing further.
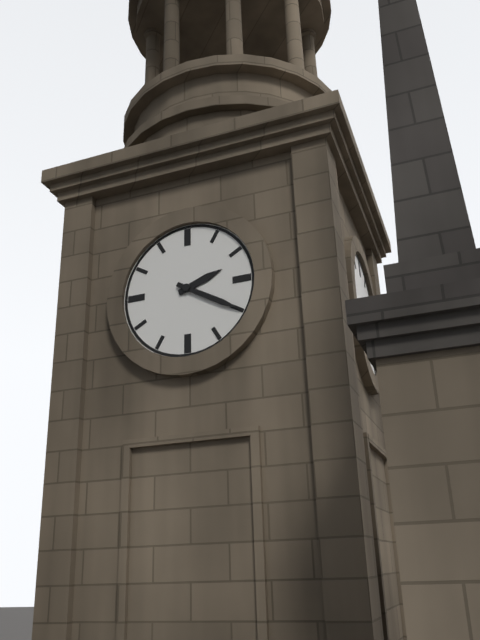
2:20
